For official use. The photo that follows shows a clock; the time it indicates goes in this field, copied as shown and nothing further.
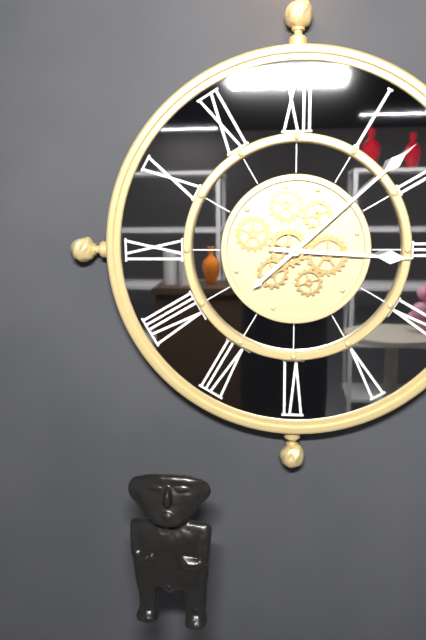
3:08
